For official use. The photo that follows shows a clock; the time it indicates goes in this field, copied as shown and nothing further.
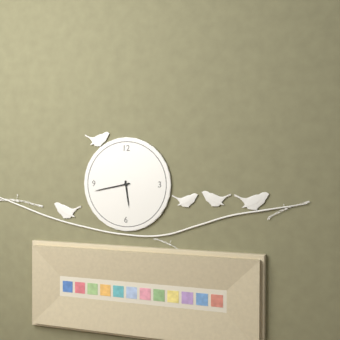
5:43
